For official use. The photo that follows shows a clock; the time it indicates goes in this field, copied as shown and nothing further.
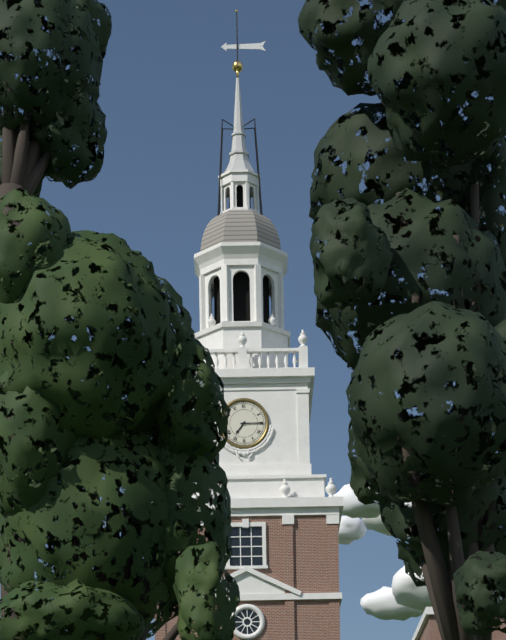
7:15
